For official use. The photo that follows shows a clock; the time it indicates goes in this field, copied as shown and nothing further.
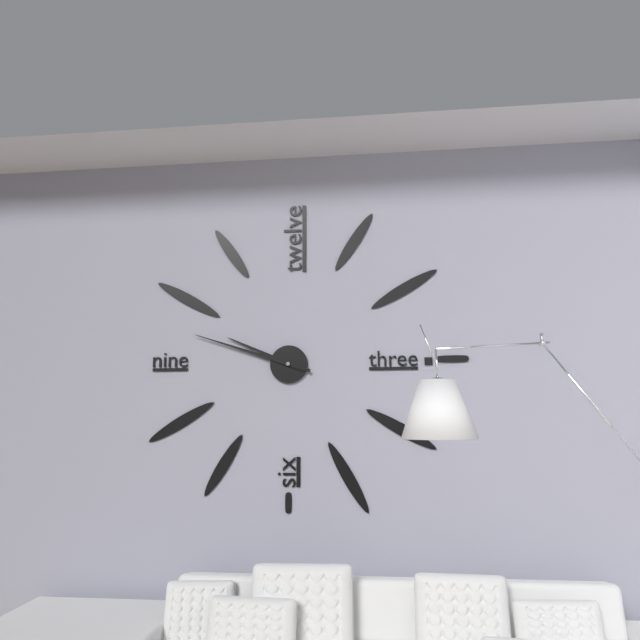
9:48
